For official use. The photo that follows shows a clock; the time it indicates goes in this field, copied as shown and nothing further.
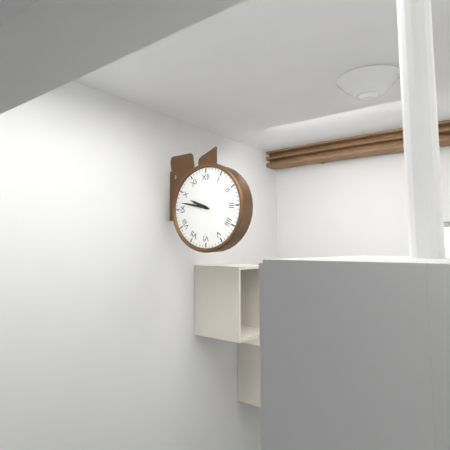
9:47
